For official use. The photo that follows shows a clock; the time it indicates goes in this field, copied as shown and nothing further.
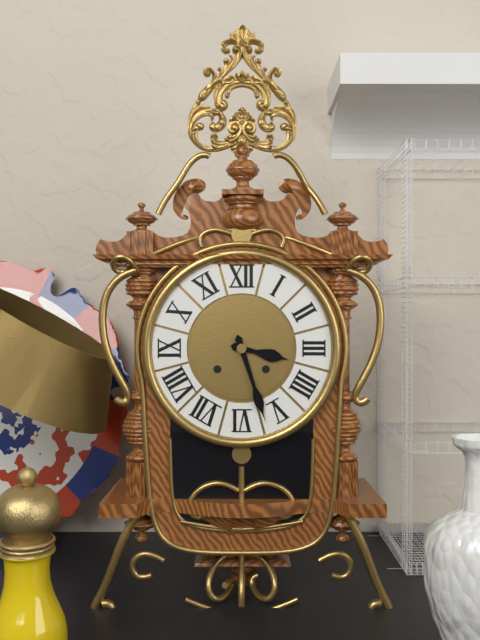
3:27
